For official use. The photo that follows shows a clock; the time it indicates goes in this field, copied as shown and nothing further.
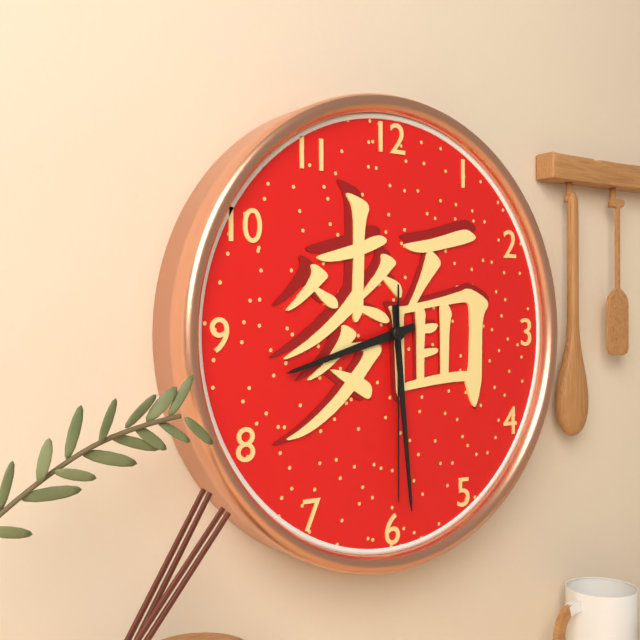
8:29:30
